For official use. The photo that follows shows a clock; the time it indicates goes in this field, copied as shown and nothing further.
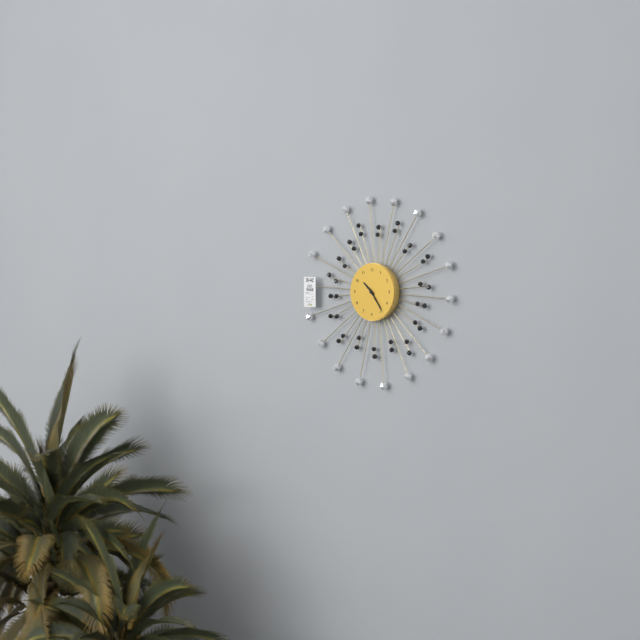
10:24
